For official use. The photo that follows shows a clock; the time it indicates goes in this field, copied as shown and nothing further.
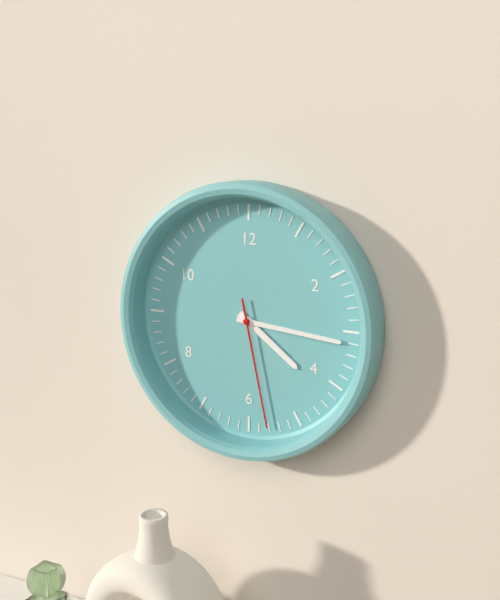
4:16:28
